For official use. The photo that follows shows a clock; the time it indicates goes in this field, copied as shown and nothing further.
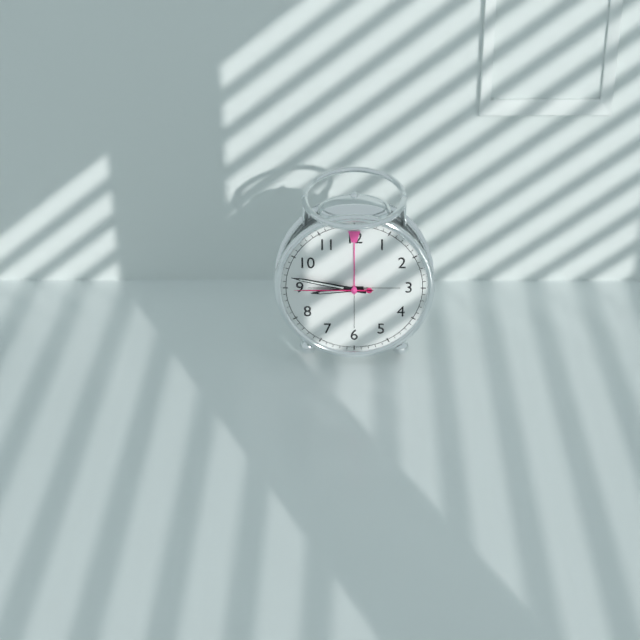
8:47:45
